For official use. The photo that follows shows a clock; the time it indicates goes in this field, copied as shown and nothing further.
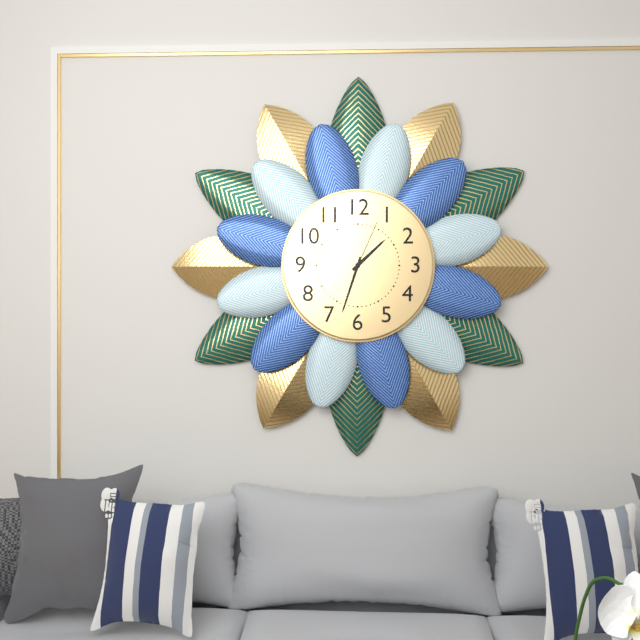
1:33:04
